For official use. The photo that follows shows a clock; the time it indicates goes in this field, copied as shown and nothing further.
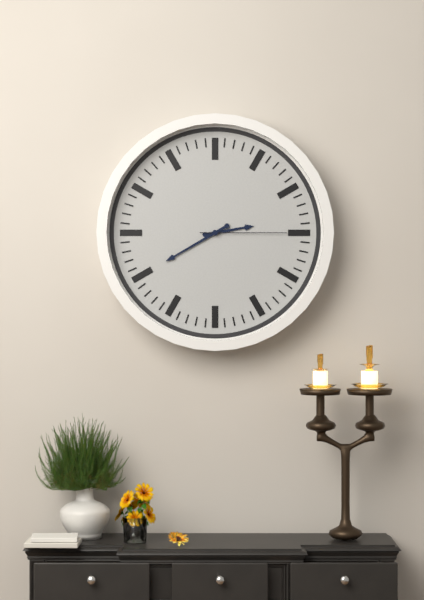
2:40:15
